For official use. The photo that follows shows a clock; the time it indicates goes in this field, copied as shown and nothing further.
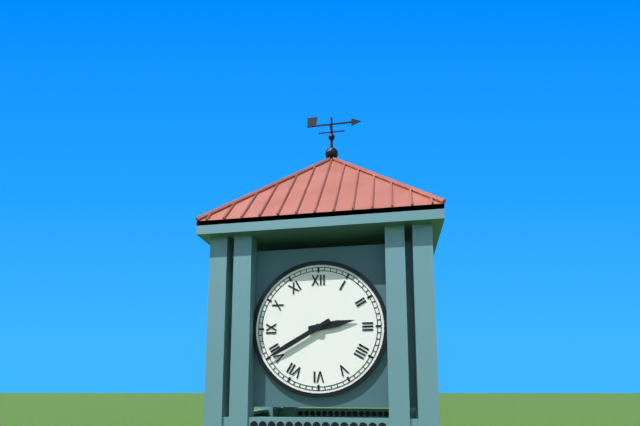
2:40
